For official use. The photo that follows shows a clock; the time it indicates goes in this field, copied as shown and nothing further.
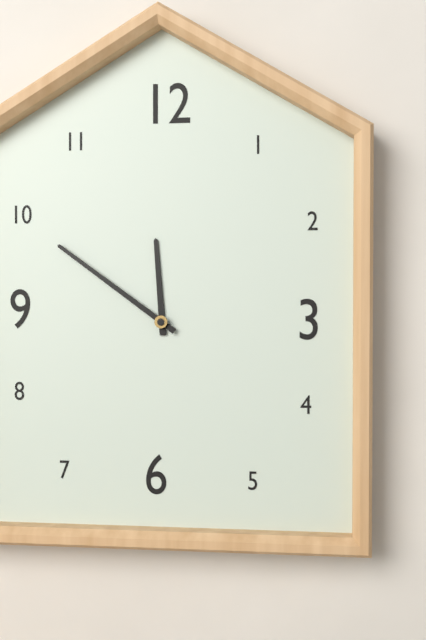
11:51
